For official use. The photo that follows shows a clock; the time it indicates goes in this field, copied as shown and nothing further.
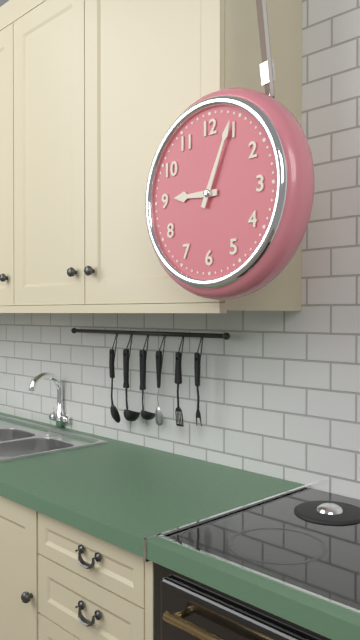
9:04
